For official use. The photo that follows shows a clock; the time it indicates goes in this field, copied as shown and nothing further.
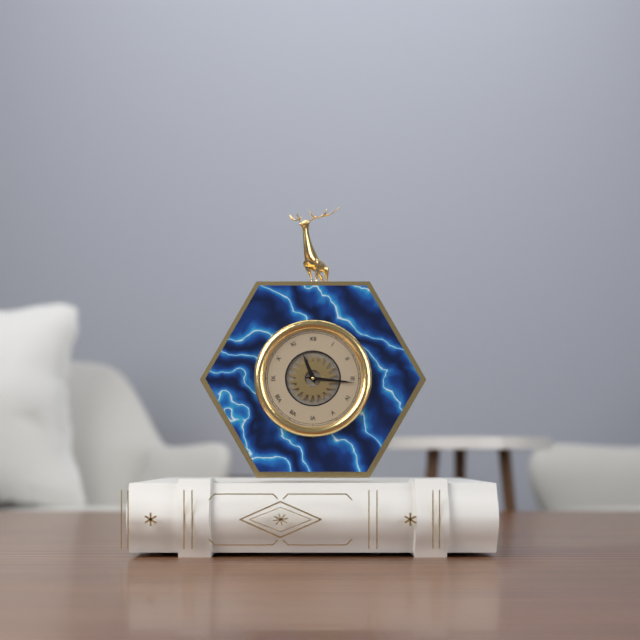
11:16
